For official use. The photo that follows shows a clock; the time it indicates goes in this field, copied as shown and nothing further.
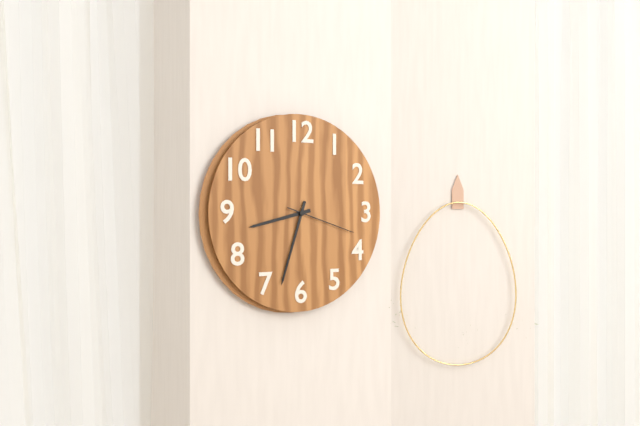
8:33:18
